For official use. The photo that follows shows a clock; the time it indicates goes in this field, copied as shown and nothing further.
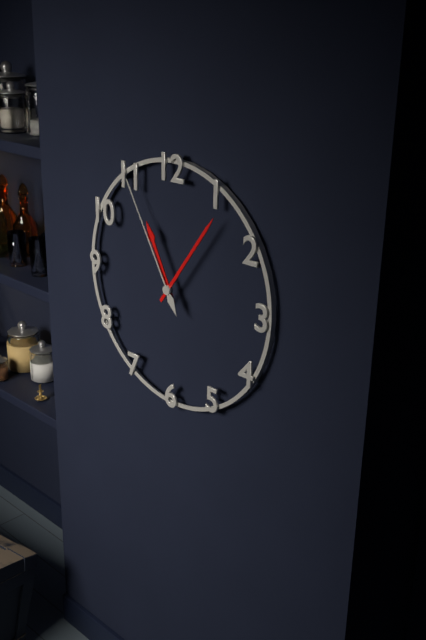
11:06:55
